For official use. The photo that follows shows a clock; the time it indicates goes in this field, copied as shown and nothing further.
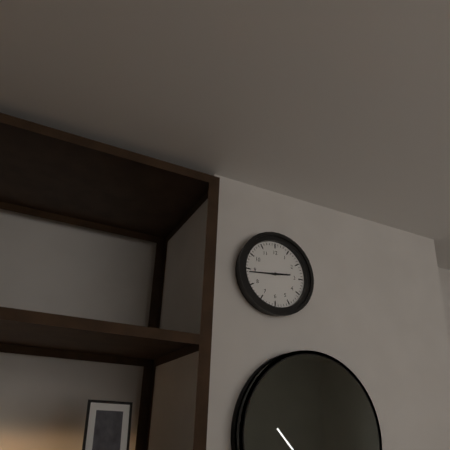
2:44
